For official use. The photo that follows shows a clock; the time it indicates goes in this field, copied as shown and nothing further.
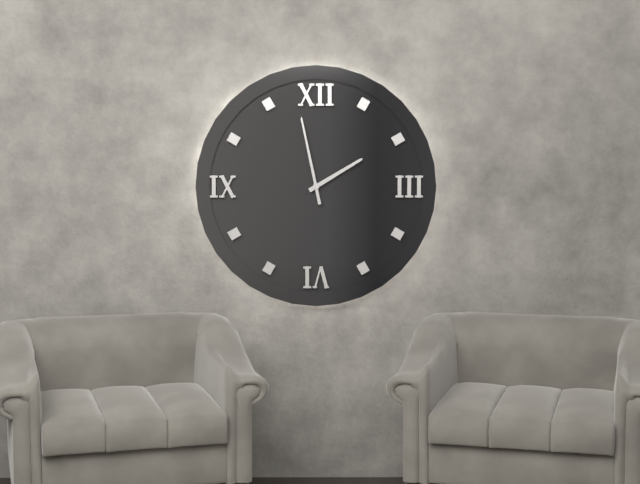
1:58
